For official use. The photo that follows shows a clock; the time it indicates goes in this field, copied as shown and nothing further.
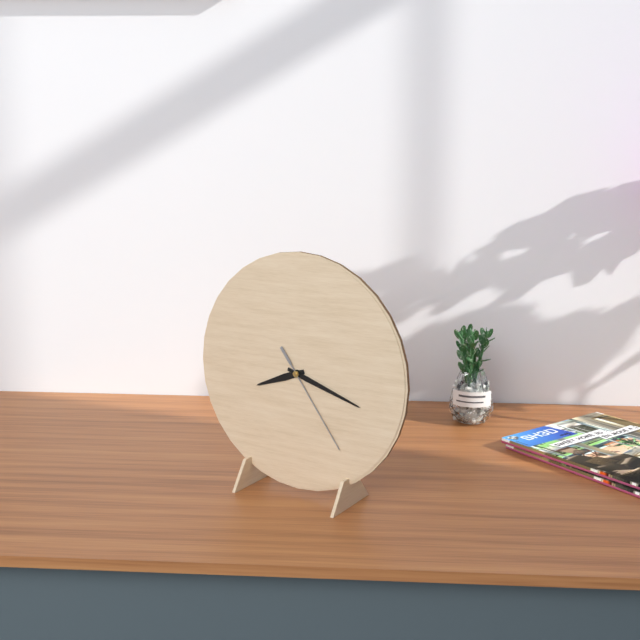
8:18:24
